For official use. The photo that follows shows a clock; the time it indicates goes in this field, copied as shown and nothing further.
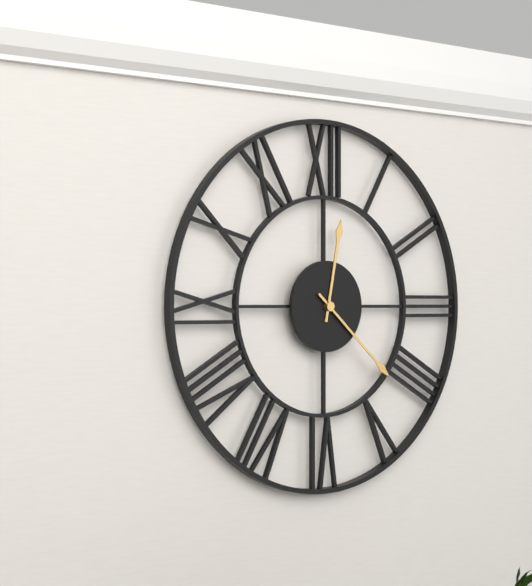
12:22
